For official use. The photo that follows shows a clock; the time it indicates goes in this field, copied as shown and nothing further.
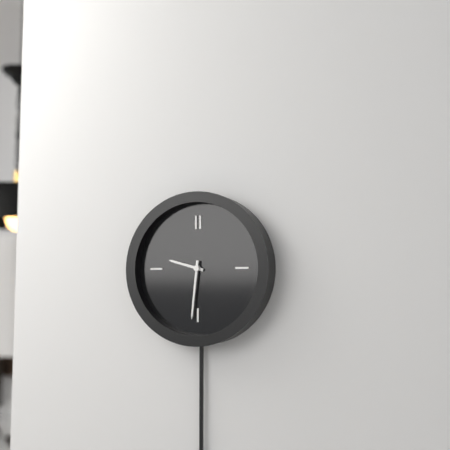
9:31
